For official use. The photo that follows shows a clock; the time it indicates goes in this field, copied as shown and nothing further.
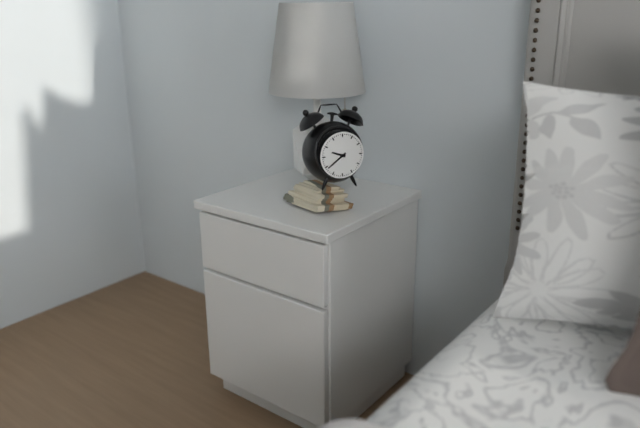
9:39
